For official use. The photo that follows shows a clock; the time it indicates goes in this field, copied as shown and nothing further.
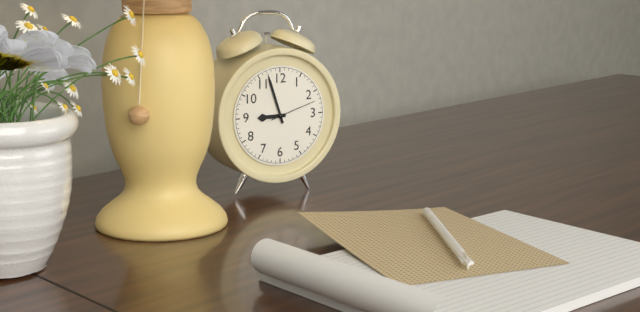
8:57
